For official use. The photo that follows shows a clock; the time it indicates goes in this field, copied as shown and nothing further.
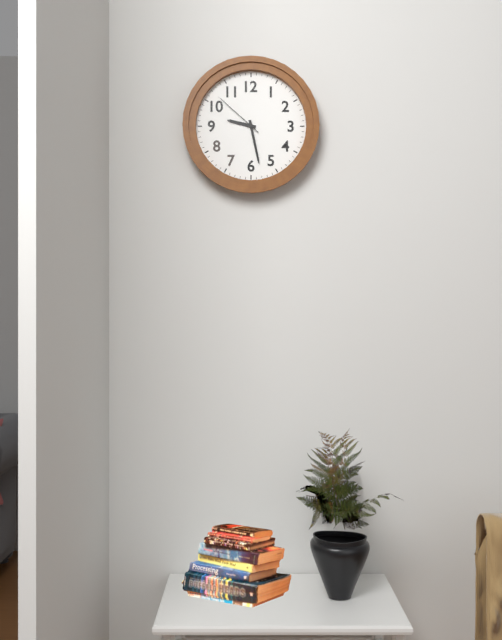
9:28:52
